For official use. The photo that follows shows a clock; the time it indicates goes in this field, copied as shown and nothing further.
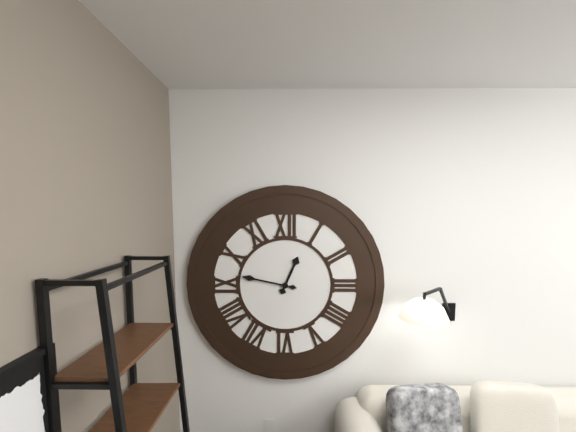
12:47
